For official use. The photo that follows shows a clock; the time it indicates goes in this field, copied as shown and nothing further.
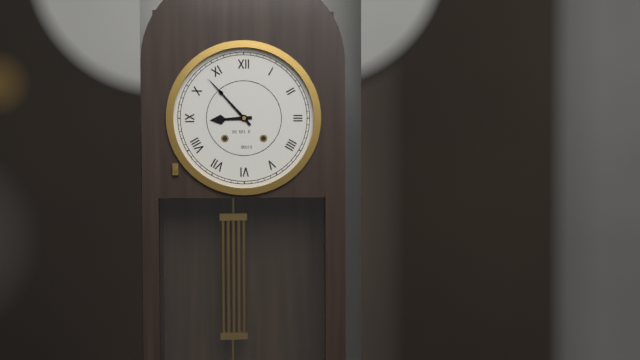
8:53
